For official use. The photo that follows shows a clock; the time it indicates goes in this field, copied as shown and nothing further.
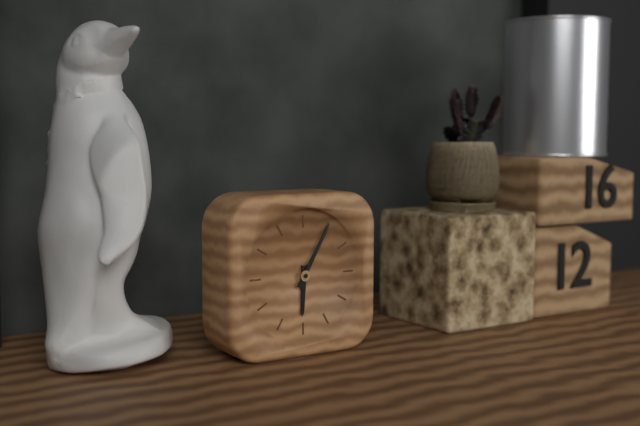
6:05
